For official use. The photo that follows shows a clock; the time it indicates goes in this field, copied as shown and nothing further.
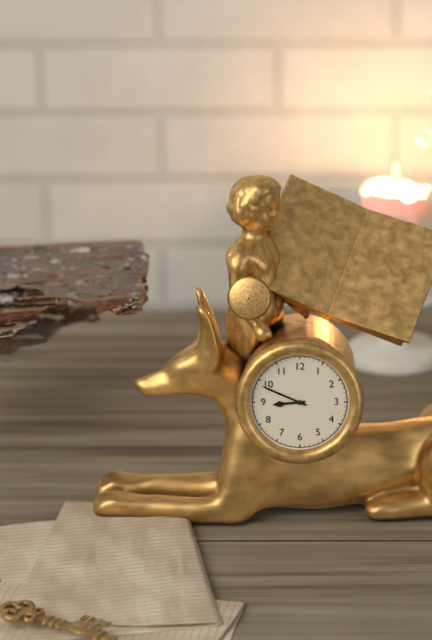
8:49
